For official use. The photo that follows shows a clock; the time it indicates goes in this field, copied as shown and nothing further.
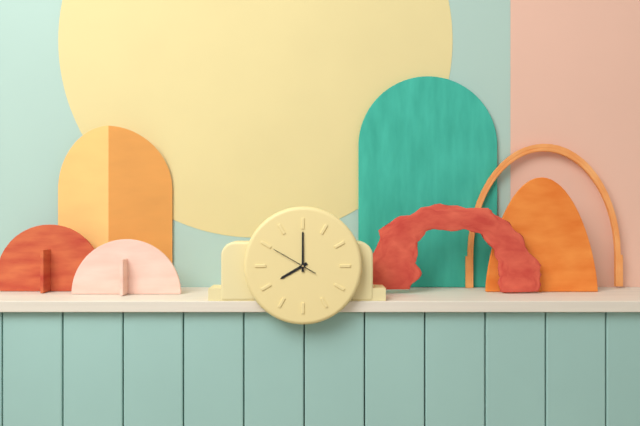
8:00
